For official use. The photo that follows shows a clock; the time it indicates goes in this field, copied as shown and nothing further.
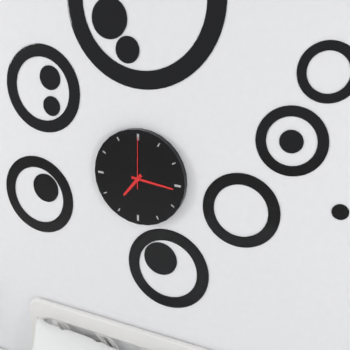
7:16:00
